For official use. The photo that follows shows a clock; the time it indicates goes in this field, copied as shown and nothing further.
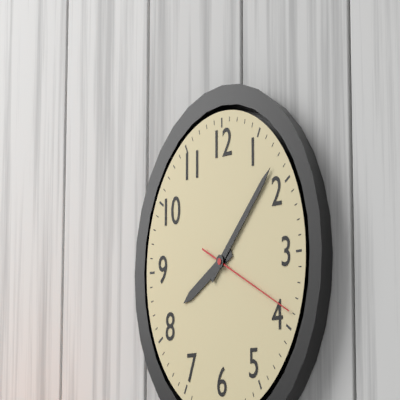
8:08:19
